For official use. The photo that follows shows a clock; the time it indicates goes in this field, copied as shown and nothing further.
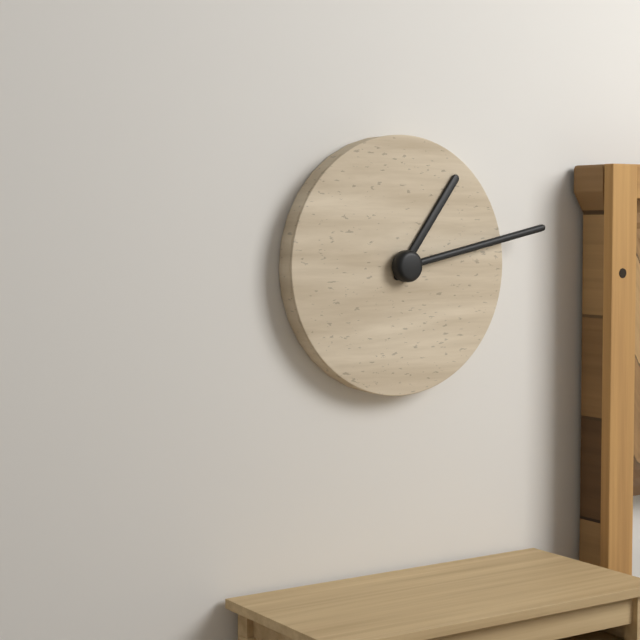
1:13
